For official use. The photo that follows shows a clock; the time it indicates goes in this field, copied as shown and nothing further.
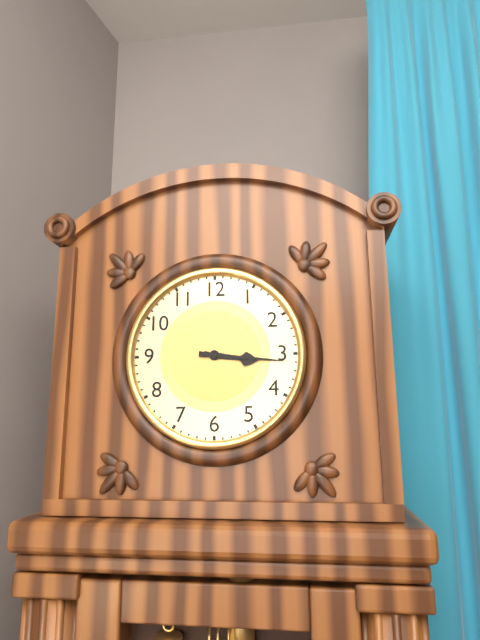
3:16
